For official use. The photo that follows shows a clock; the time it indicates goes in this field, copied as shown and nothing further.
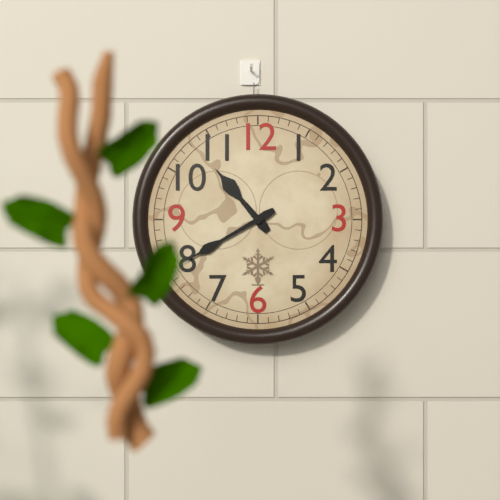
10:40
